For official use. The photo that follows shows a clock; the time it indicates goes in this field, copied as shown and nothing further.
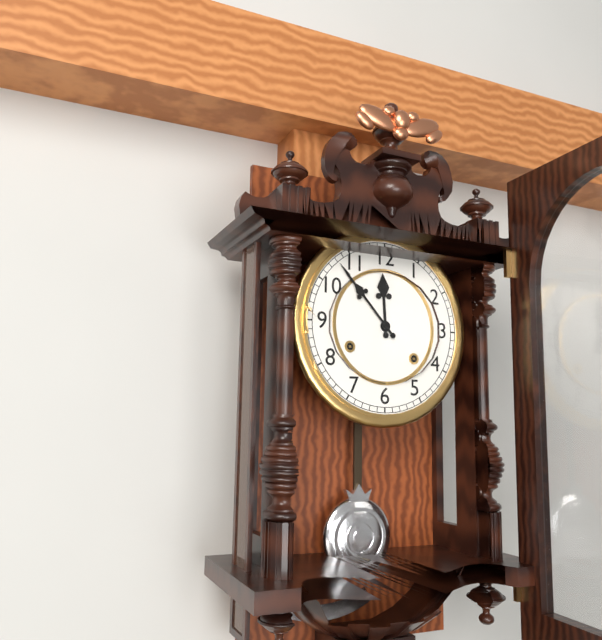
11:53
